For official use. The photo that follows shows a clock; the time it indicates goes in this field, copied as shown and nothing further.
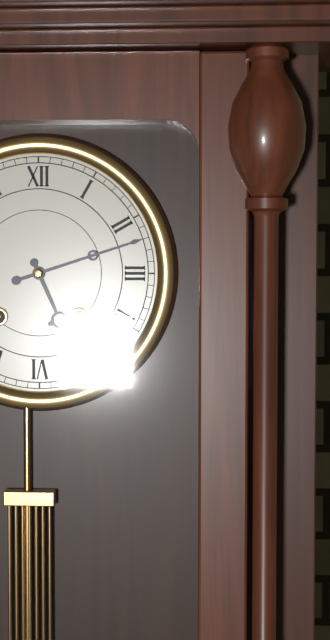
5:12
